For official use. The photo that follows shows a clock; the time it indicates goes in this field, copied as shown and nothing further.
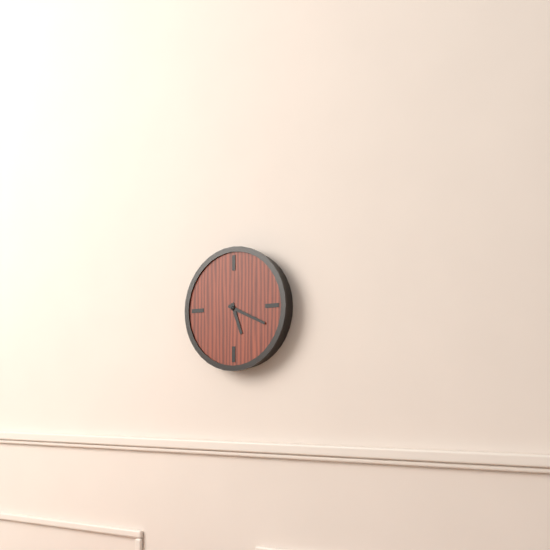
5:19
